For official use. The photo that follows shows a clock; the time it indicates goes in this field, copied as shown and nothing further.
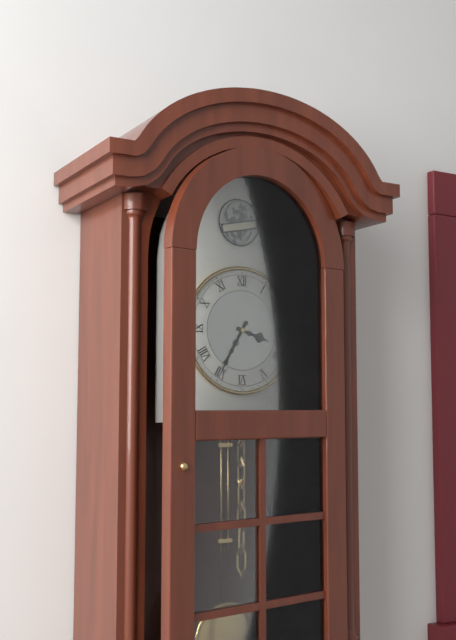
3:35
